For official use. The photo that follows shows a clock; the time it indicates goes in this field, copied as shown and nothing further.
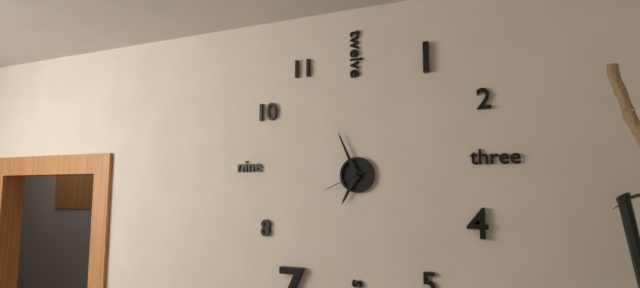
6:56
